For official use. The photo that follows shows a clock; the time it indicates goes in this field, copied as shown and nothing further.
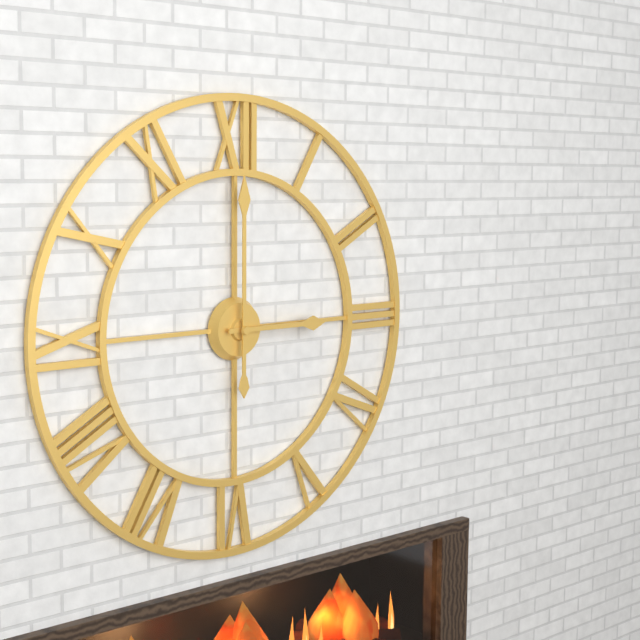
3:00
